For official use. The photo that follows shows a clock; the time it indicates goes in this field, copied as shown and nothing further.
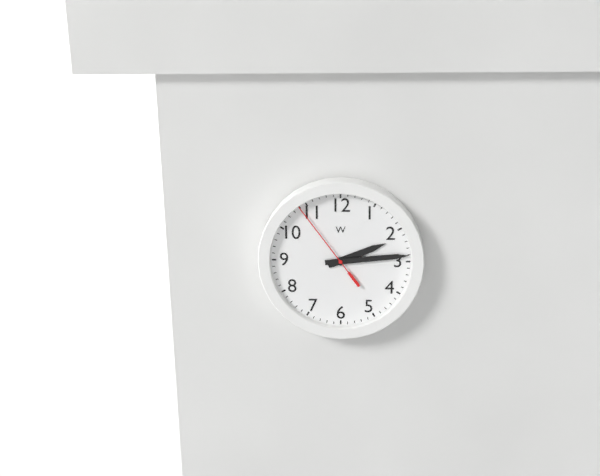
2:14:54
